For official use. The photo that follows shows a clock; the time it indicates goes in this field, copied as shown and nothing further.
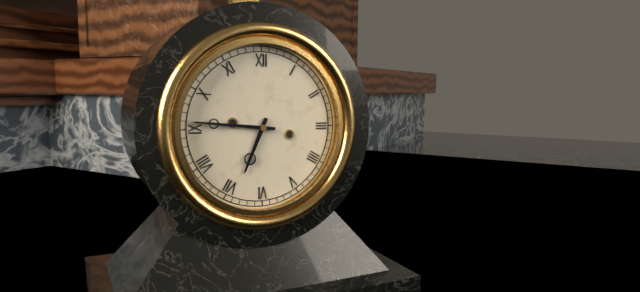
6:46
